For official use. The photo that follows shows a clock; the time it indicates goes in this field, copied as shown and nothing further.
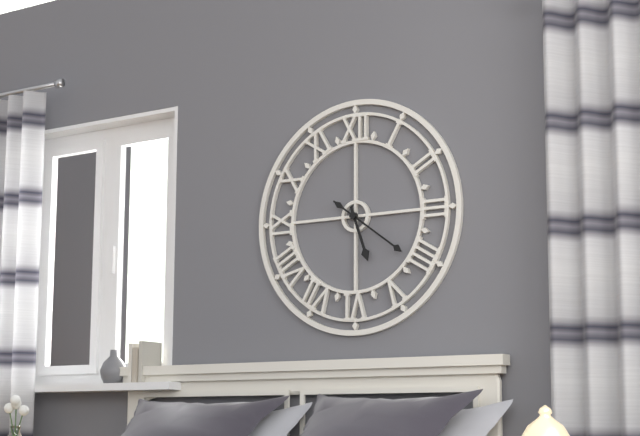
5:21
